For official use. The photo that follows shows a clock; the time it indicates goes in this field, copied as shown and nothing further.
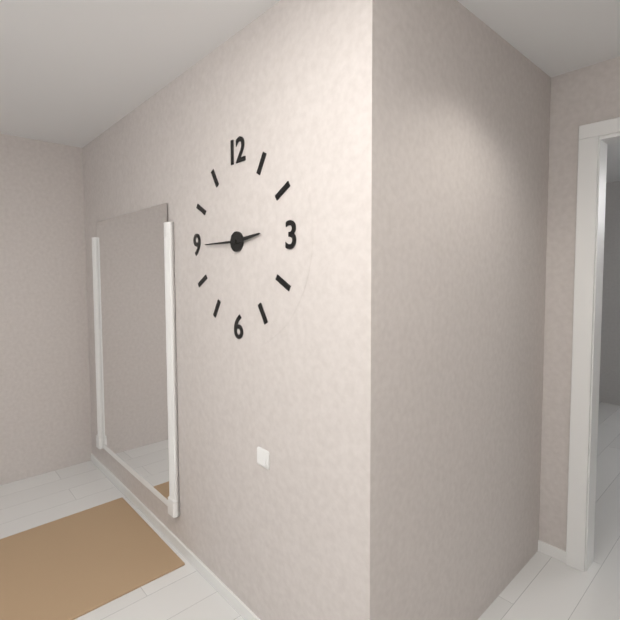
2:45
